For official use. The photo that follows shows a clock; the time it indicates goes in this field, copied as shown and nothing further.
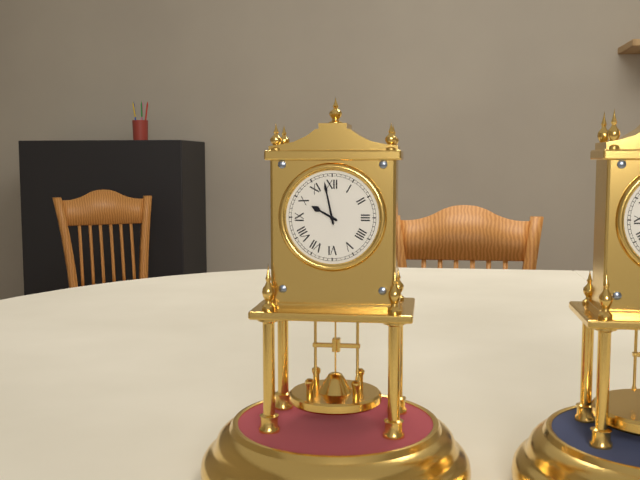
9:58
